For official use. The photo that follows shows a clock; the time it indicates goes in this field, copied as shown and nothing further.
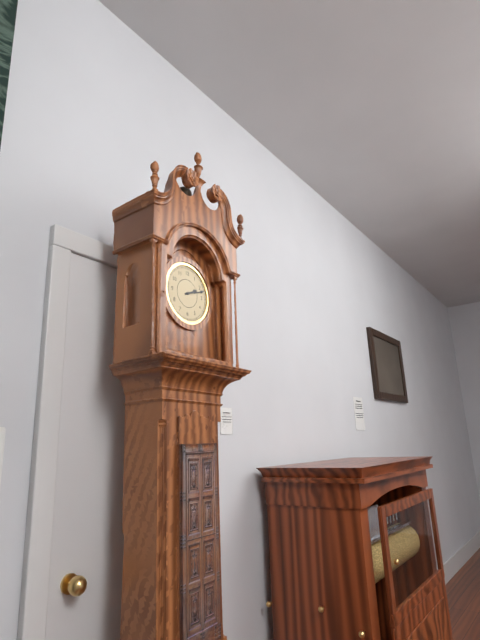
2:12
